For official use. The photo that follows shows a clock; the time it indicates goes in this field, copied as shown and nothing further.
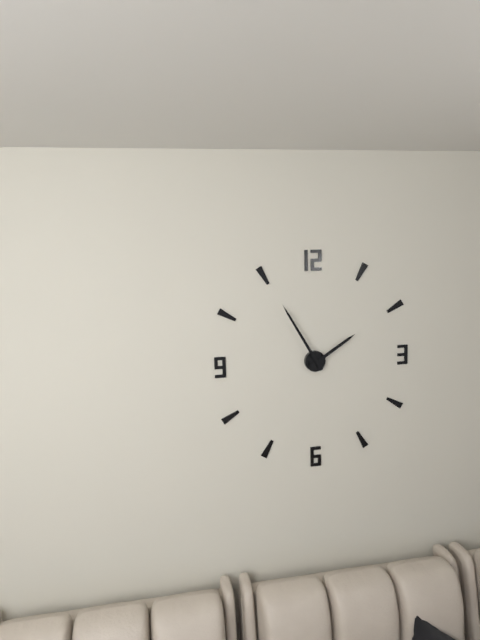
1:55
